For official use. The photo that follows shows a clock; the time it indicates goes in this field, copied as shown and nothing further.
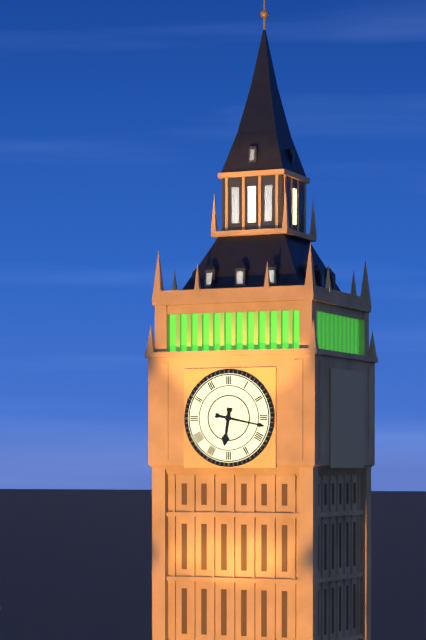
6:17
